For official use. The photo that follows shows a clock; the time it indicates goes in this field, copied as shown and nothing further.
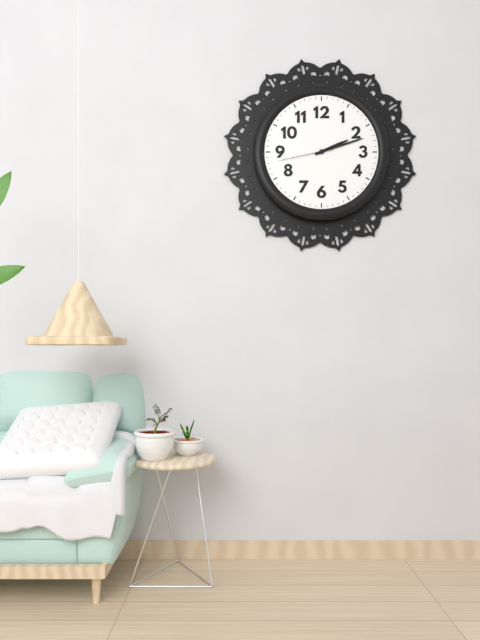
2:12:43
